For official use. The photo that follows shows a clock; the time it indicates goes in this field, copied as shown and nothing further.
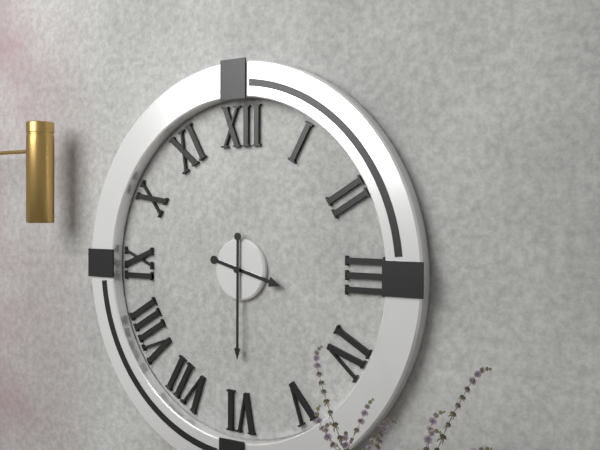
3:30
